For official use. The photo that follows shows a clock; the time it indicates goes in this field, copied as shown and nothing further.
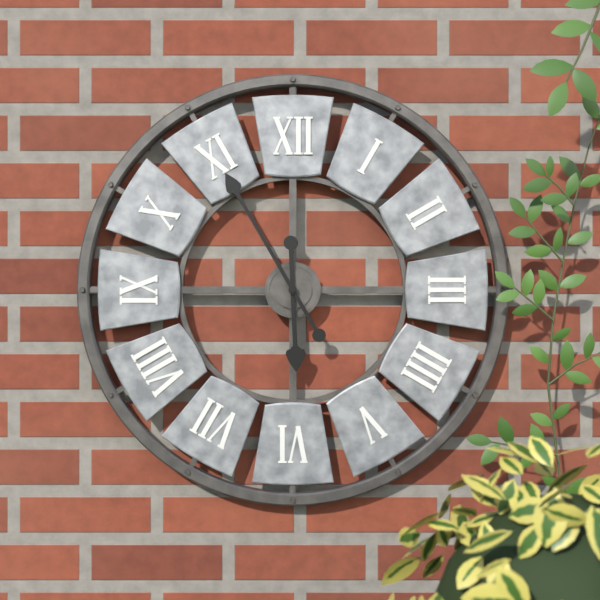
5:55
